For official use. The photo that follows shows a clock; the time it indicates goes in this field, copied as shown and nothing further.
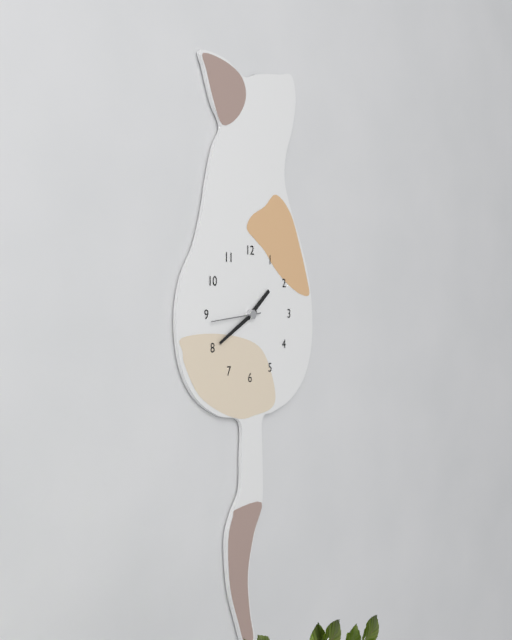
1:40
